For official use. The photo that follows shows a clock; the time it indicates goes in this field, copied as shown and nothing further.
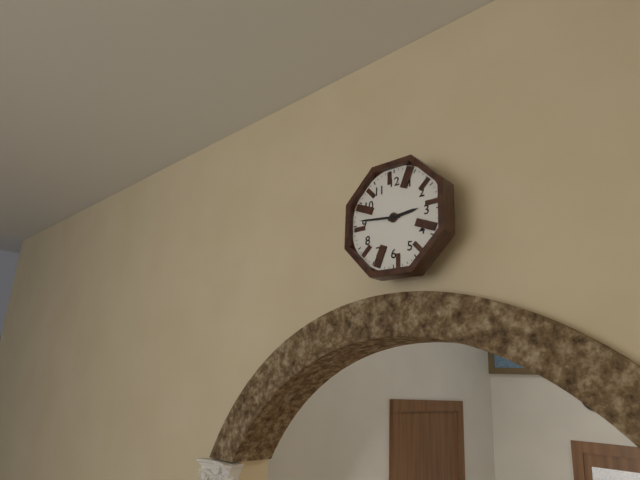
2:46
